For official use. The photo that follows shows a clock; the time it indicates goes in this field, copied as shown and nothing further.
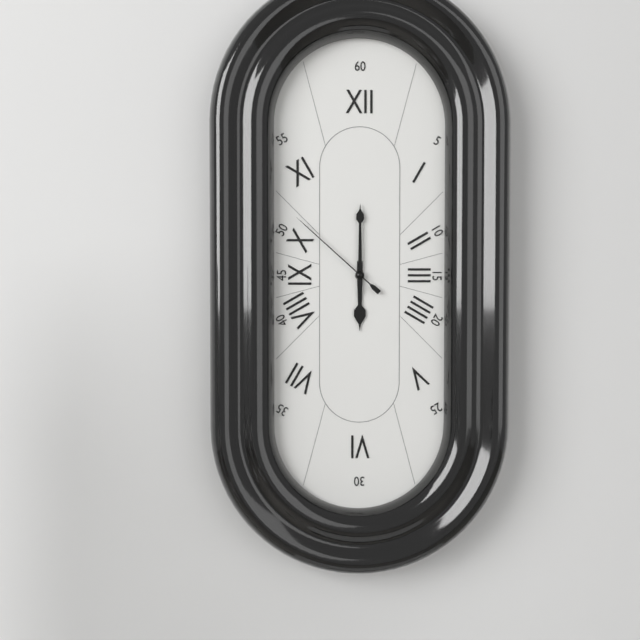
6:00:52
